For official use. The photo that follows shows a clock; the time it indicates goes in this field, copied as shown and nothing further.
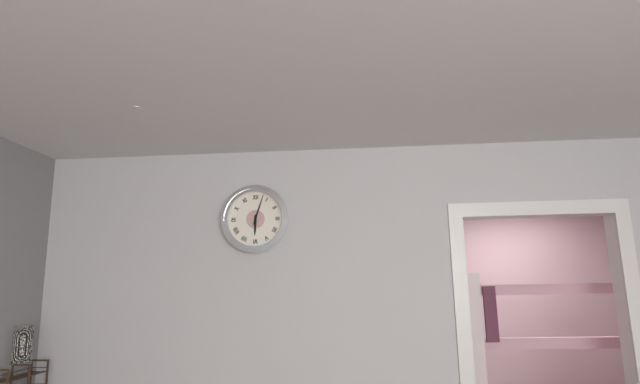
6:03
